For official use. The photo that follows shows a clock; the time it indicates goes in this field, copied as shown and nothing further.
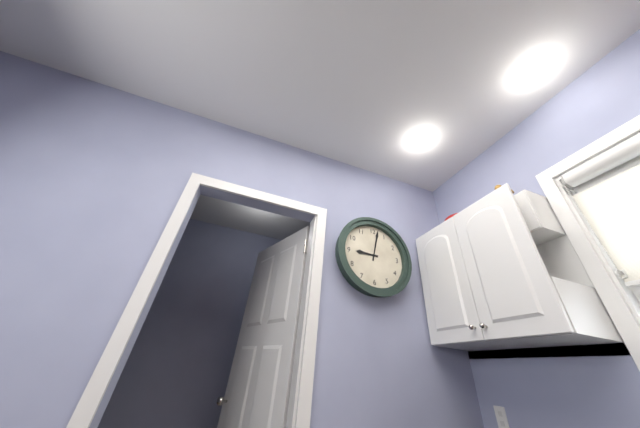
9:02
